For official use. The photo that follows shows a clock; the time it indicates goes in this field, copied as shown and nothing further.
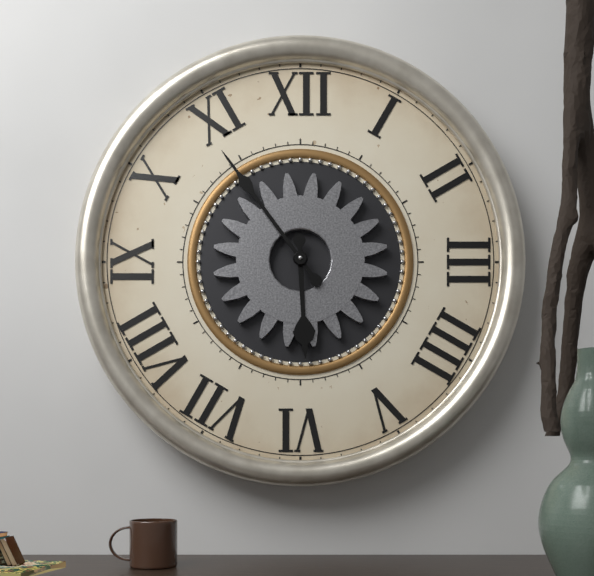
5:54
